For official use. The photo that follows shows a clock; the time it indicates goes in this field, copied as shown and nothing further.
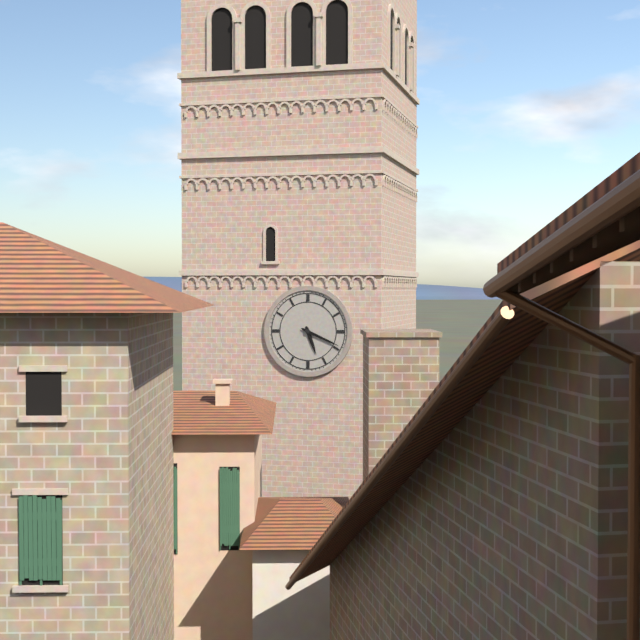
5:19
